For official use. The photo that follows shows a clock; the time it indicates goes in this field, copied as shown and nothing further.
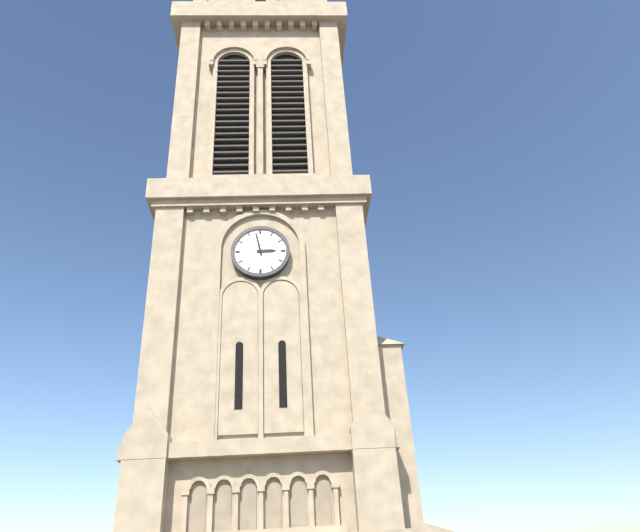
2:58
